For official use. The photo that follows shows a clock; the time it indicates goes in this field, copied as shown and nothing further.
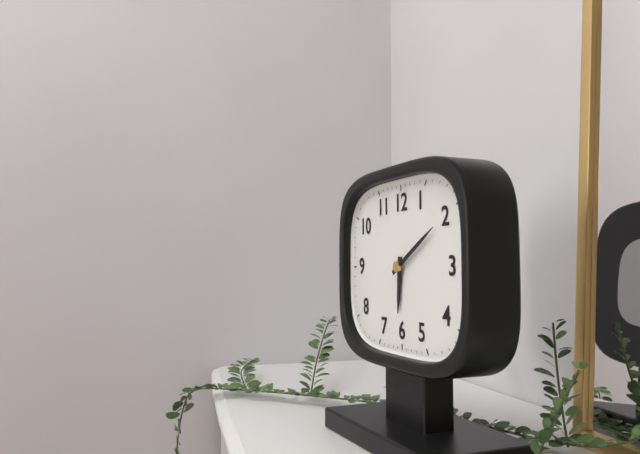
6:10
